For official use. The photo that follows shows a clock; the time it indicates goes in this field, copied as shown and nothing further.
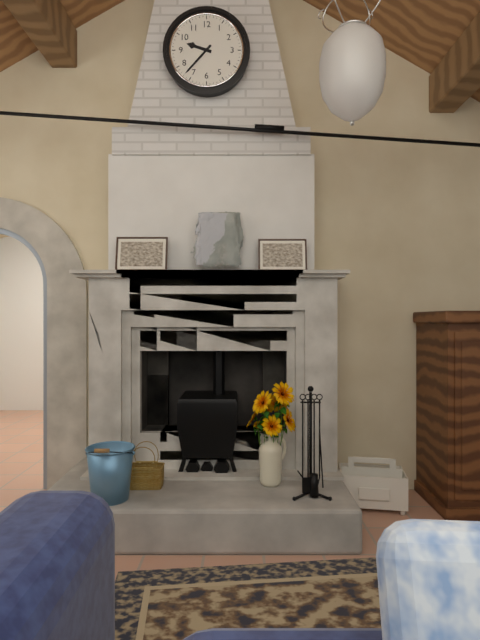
9:37
